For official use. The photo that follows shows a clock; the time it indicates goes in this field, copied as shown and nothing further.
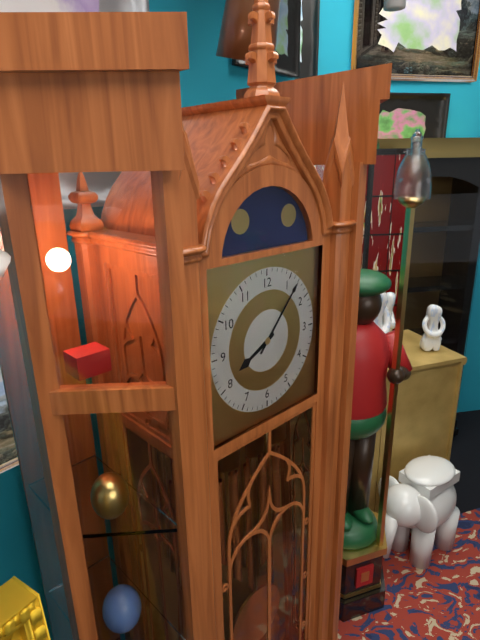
8:07
